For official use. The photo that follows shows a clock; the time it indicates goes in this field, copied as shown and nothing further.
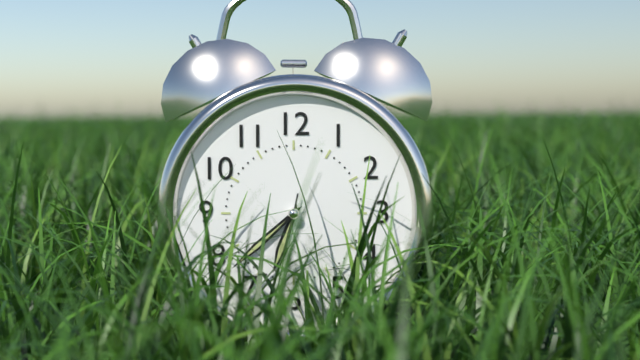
6:38
